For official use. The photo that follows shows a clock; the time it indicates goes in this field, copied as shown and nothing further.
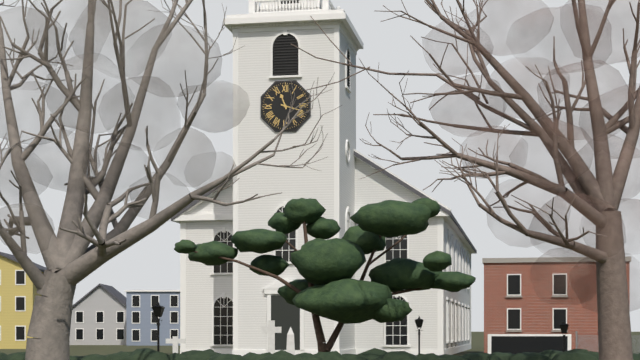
11:18
